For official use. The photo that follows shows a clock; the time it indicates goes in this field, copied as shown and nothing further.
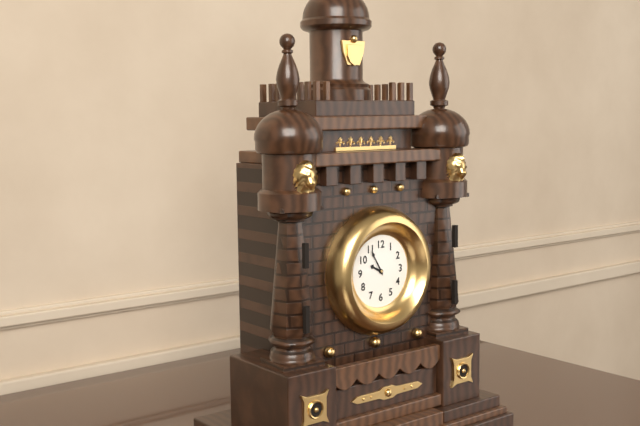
9:55
